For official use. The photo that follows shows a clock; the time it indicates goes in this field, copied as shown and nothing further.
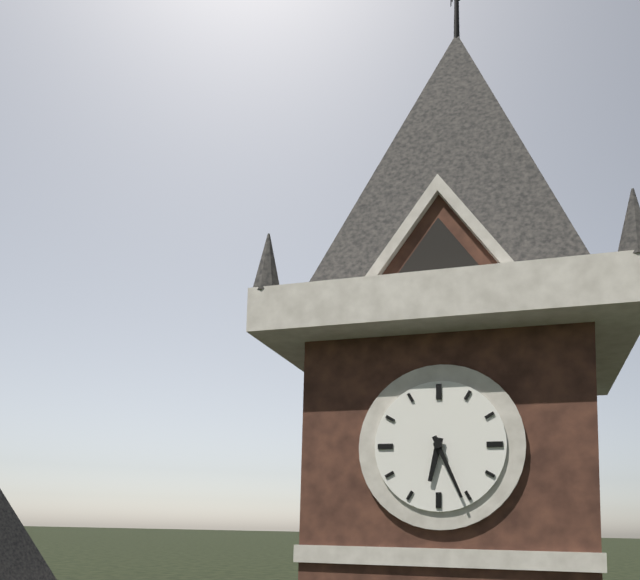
6:26
